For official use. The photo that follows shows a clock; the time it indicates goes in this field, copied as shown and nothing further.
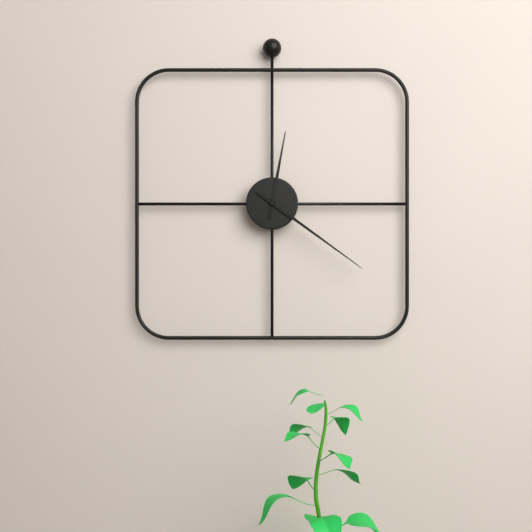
12:21
